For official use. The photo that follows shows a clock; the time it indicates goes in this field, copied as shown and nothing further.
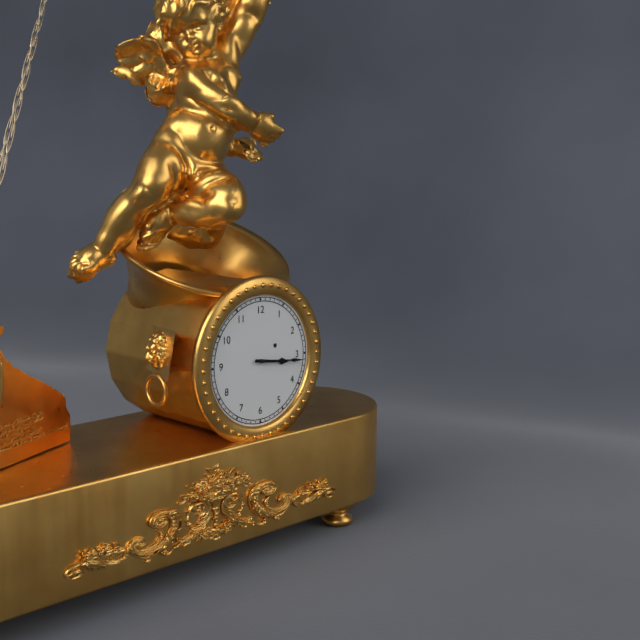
3:16
